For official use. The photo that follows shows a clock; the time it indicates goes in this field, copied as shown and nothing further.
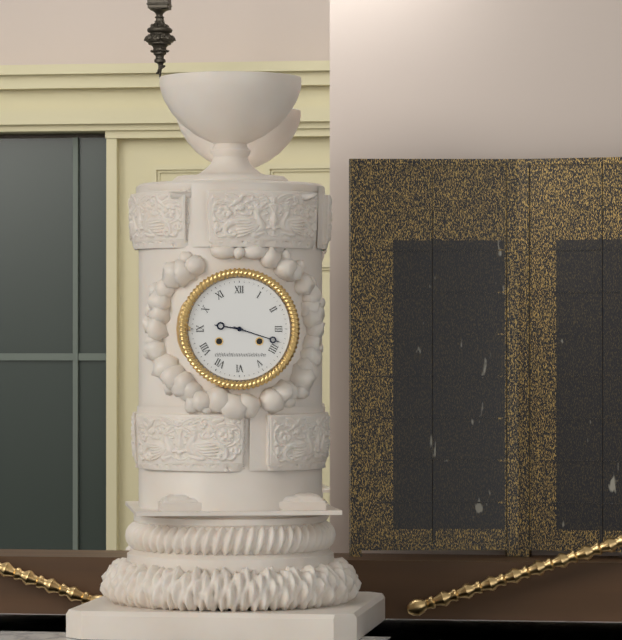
9:18
